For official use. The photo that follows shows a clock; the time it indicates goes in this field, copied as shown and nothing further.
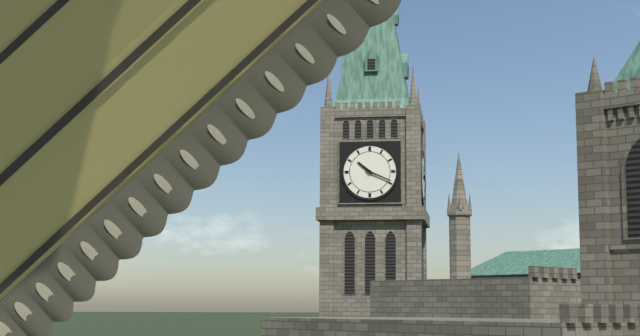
10:19
